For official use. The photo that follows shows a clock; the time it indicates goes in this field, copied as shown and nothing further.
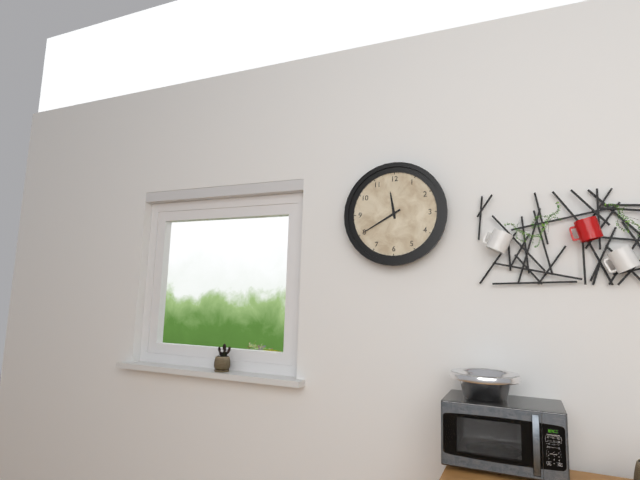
11:40
